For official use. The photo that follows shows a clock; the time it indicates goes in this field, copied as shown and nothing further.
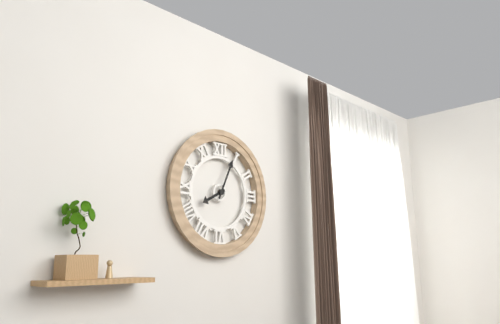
8:04
